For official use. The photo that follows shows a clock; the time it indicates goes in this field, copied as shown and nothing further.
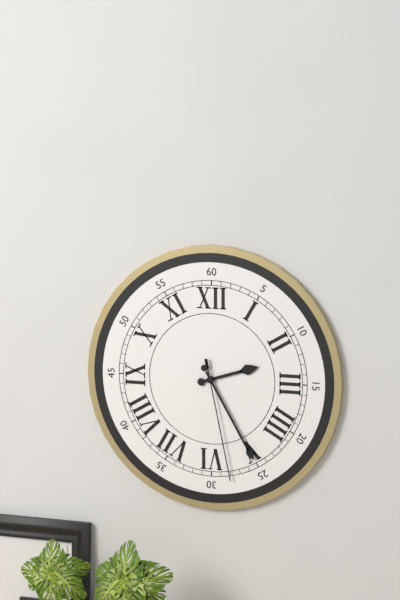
2:25:28
